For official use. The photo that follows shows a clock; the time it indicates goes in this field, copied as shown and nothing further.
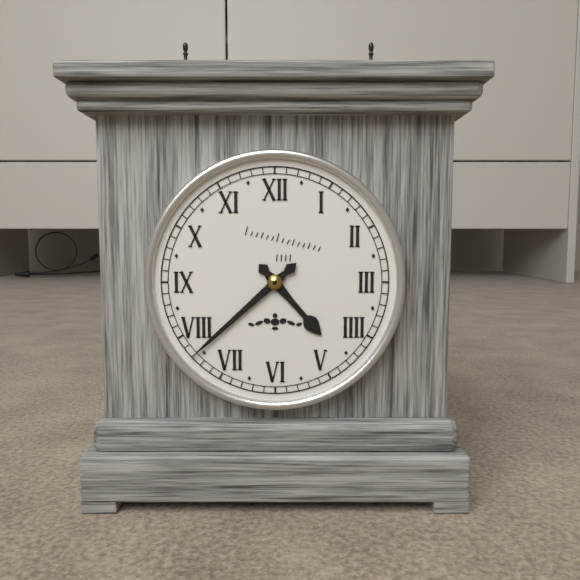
4:38
